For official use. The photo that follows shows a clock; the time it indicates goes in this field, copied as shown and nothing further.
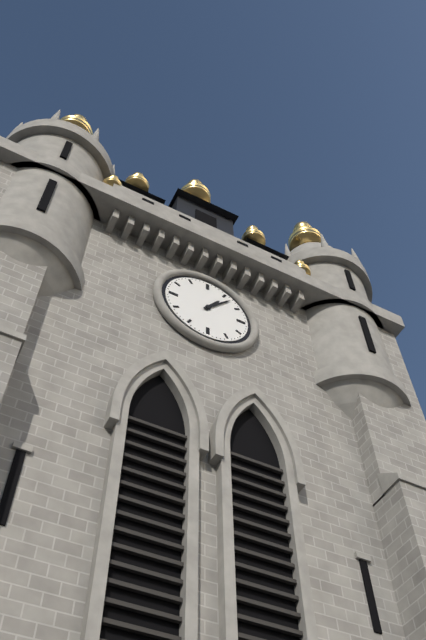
1:07
